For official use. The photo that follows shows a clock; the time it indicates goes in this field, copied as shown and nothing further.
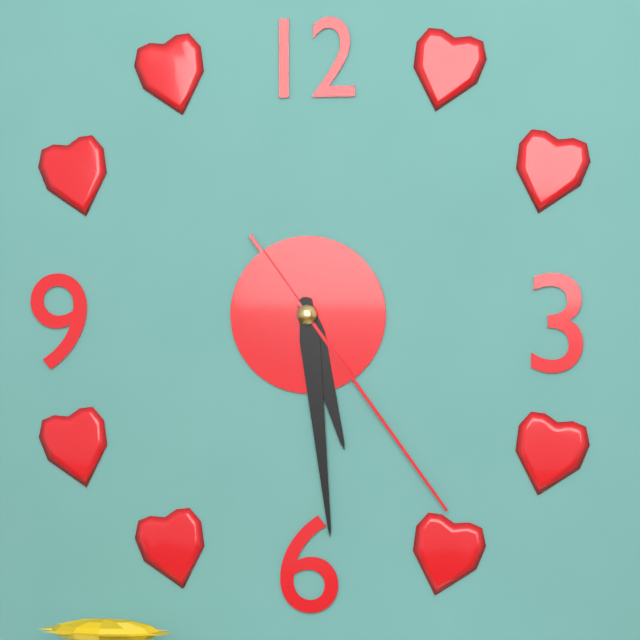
5:29:24
